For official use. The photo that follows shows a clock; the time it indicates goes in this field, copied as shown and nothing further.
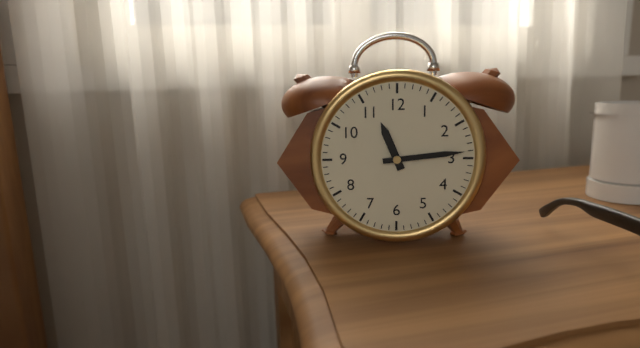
11:14
